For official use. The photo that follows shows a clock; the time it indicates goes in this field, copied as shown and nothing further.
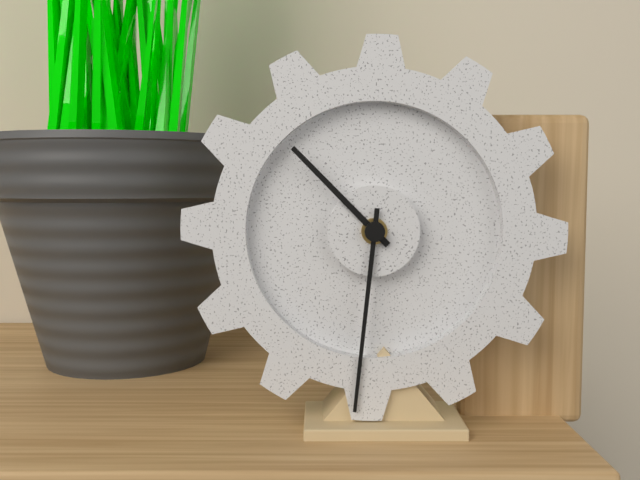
10:31
